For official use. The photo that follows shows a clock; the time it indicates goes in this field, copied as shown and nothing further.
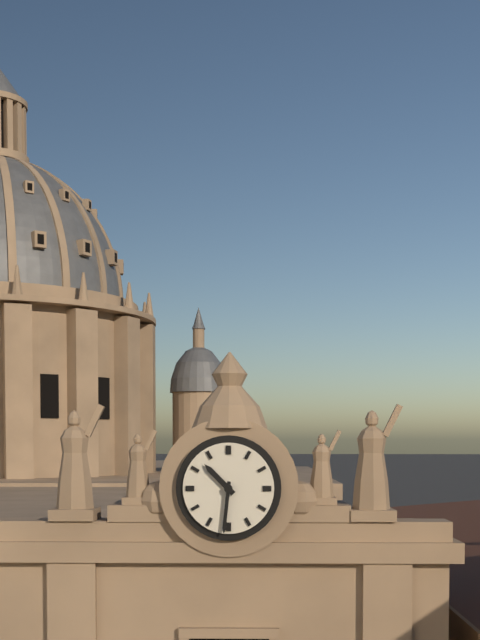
10:31
